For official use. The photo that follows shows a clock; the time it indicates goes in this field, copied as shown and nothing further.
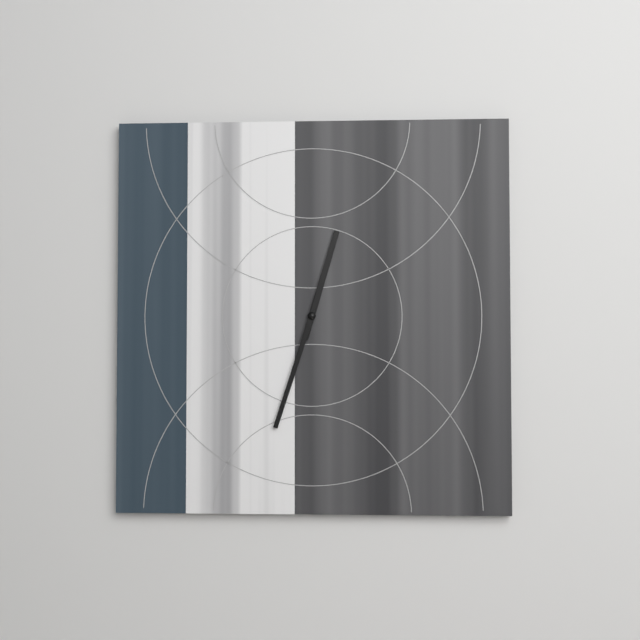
12:33
